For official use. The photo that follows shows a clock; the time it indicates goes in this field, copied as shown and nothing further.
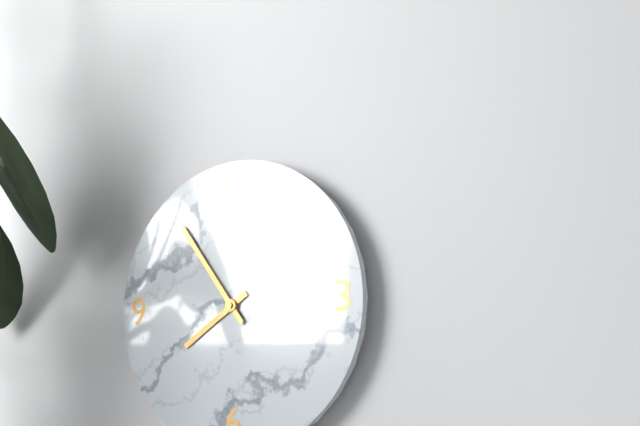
7:54
